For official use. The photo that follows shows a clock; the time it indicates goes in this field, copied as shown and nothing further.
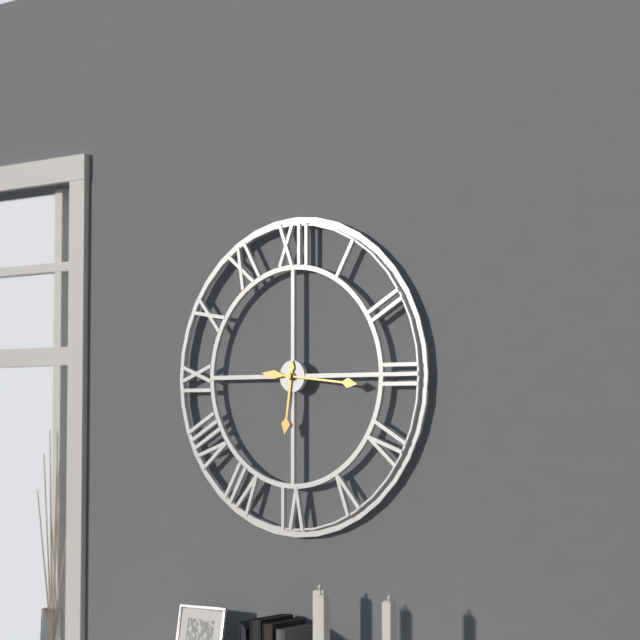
6:16
